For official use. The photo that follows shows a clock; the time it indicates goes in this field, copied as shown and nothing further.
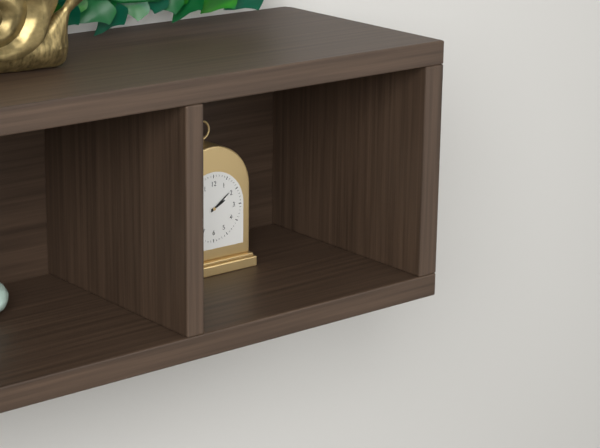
2:09
